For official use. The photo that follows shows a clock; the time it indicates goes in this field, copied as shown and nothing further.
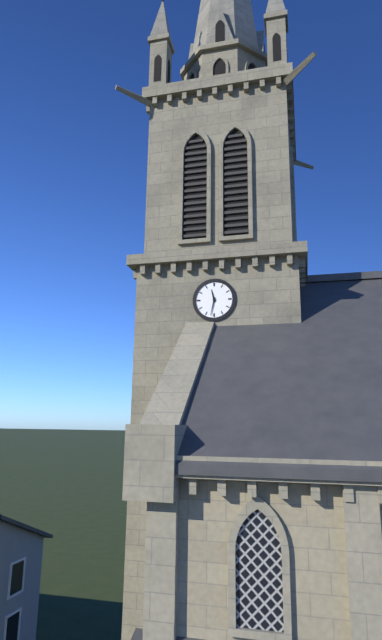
11:32
